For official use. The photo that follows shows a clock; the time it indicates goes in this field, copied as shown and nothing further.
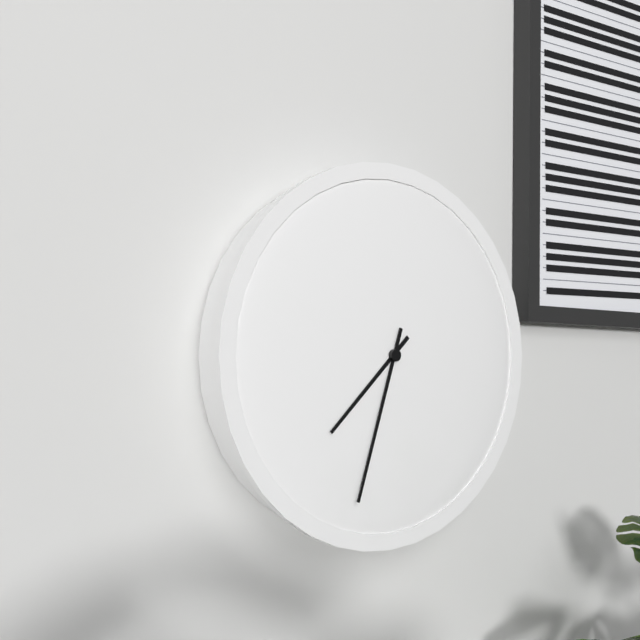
7:33
